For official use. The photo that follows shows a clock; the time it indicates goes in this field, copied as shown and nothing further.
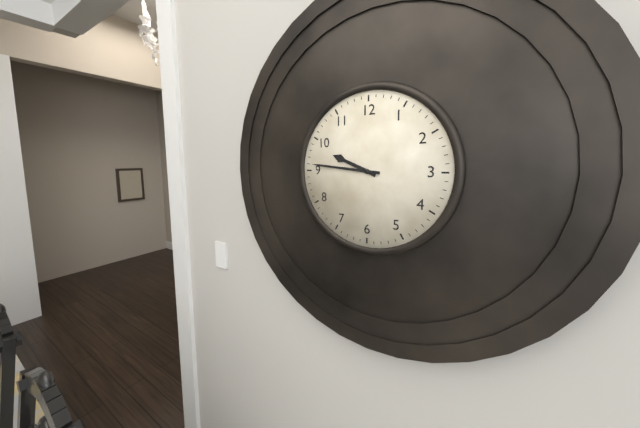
9:46
